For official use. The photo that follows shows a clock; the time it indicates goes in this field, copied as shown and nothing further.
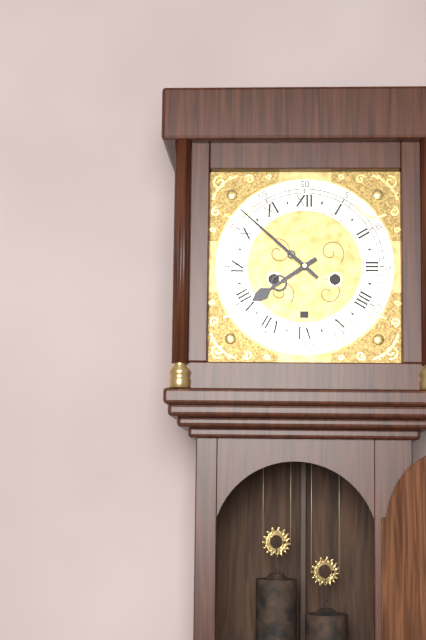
7:52
